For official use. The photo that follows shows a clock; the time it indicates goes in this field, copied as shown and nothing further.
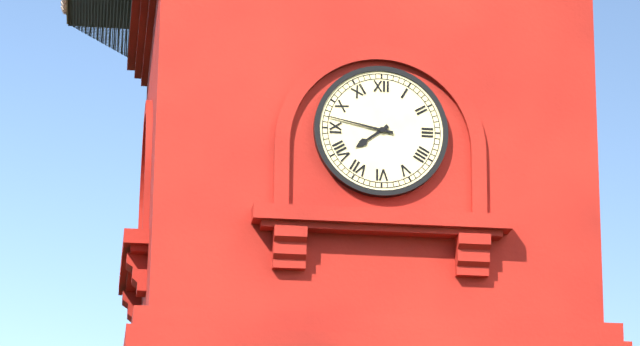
7:47
